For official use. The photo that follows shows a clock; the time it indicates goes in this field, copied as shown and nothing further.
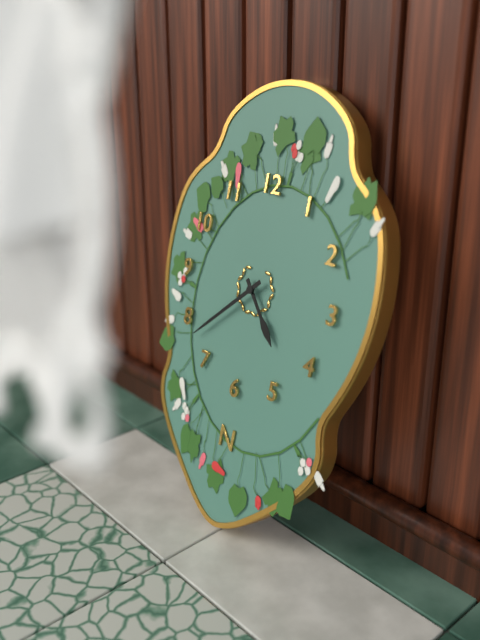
4:38
